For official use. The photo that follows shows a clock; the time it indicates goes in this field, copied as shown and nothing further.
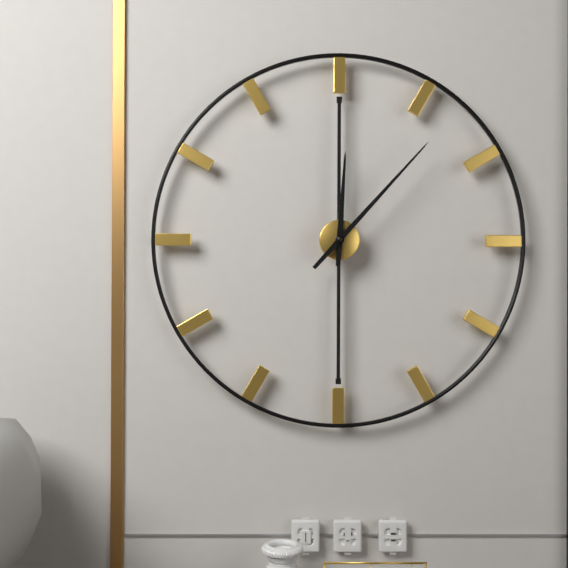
12:07
